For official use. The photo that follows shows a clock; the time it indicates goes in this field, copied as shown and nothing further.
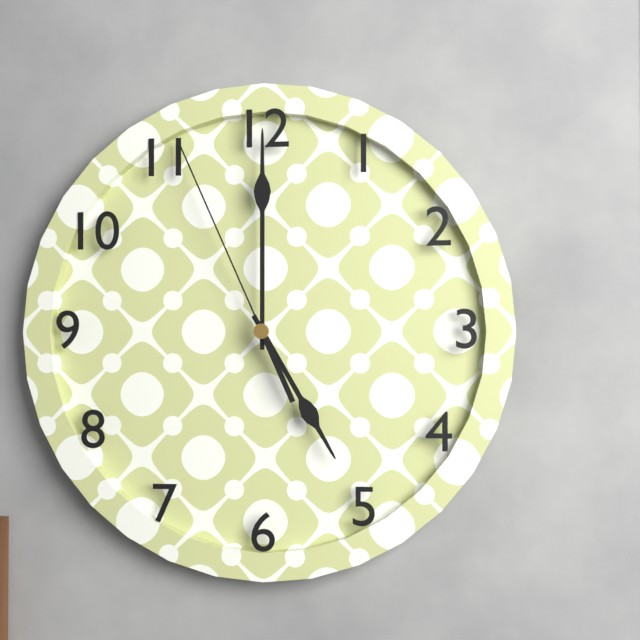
5:00:56
